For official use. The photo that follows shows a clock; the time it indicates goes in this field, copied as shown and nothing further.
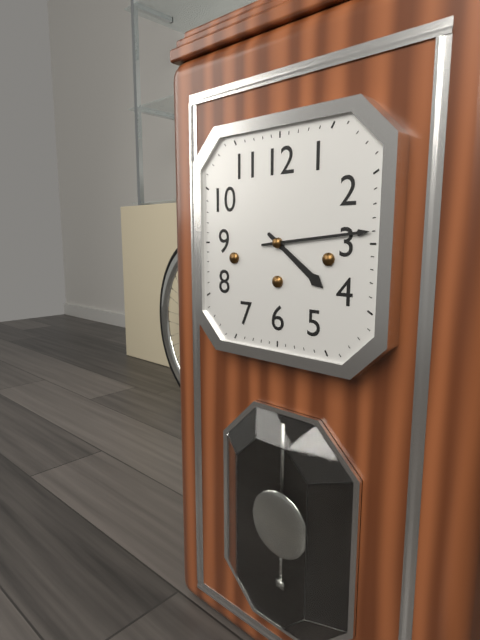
4:14
